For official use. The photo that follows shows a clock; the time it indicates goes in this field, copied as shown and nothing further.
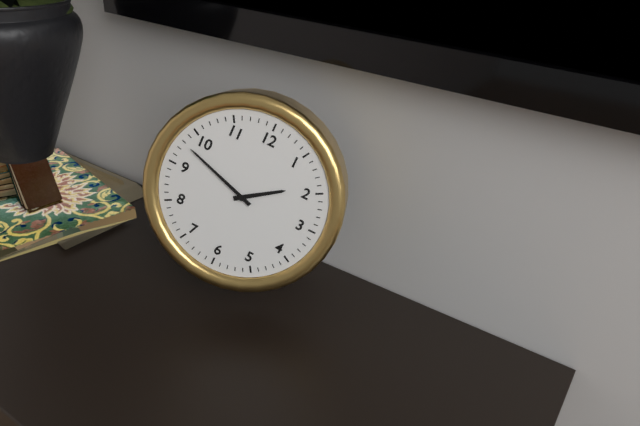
1:48
